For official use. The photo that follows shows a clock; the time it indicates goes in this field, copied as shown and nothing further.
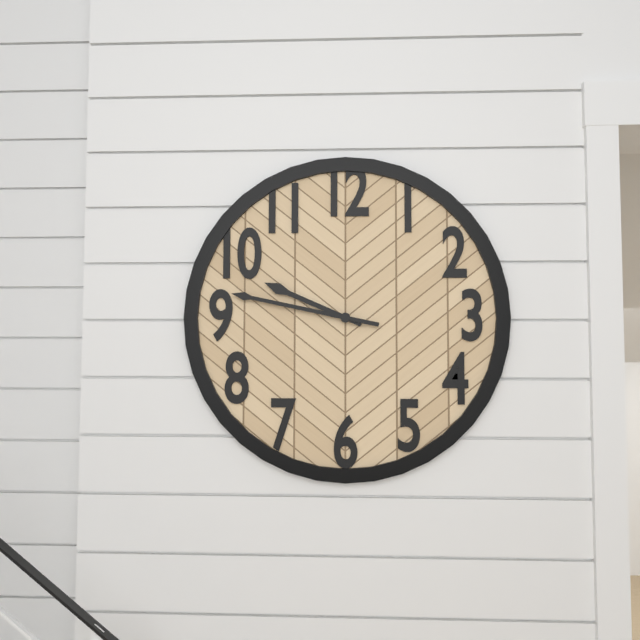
9:47
